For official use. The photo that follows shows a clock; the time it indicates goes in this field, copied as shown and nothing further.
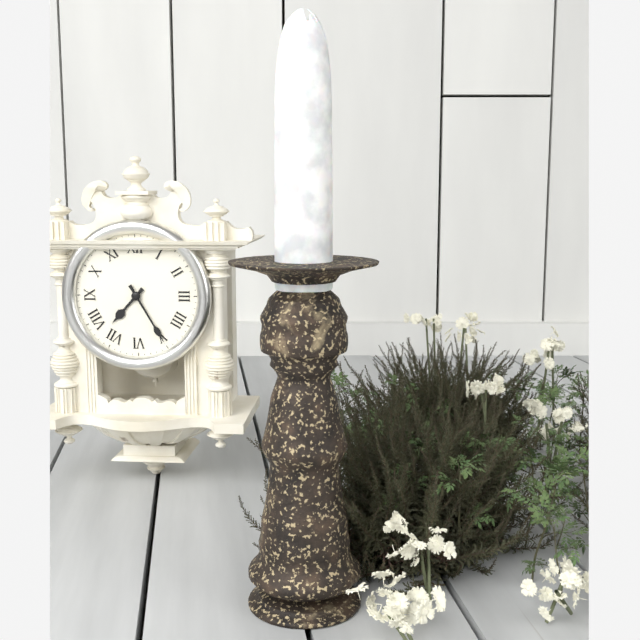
7:25
